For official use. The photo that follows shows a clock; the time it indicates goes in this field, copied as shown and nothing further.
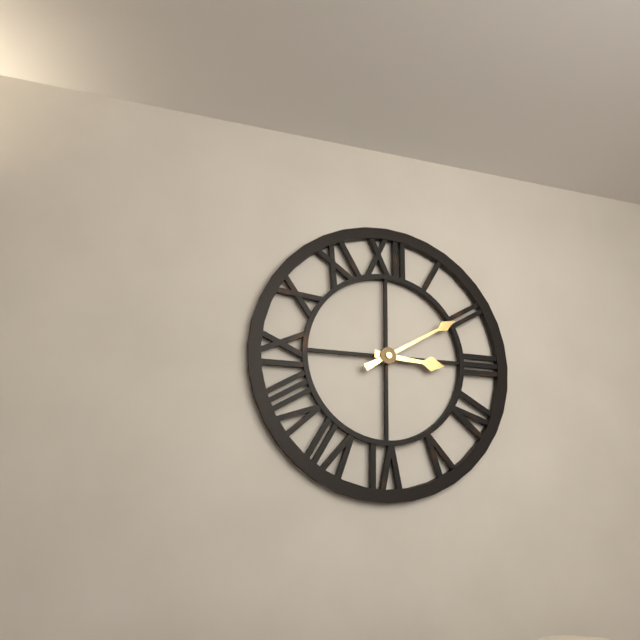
3:10
